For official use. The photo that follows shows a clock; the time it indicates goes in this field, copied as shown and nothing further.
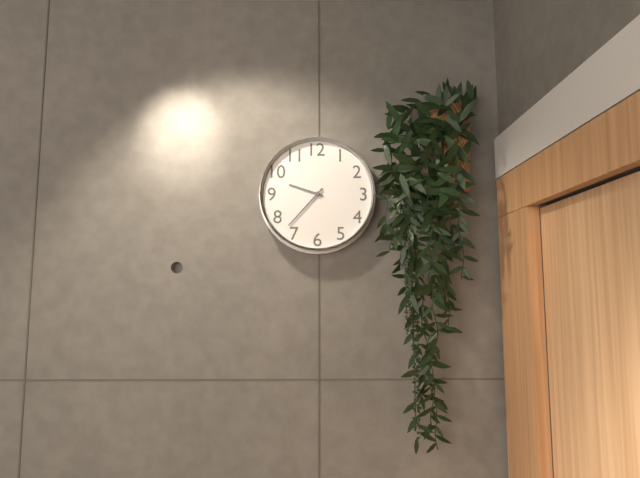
9:37
